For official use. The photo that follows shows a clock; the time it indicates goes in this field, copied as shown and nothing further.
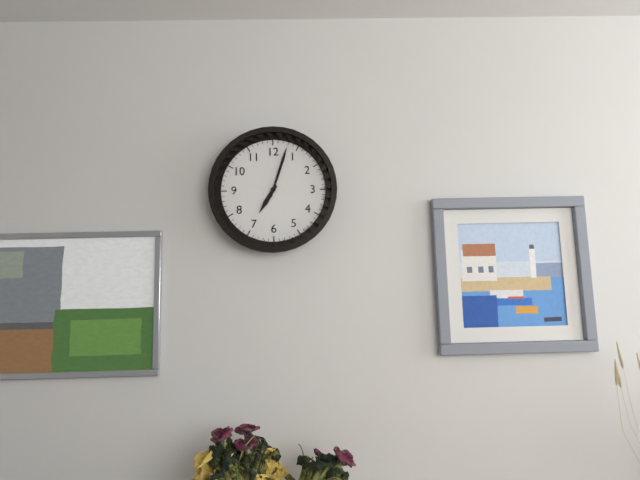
7:03
